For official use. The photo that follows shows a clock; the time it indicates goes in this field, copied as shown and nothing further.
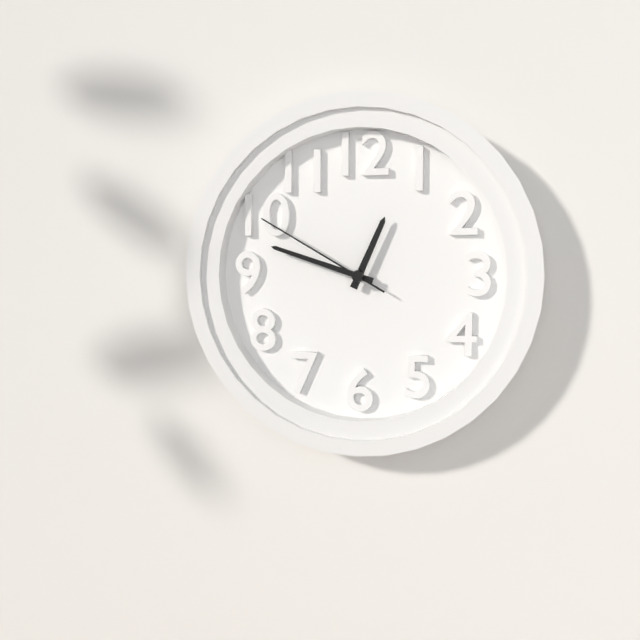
12:48:50
